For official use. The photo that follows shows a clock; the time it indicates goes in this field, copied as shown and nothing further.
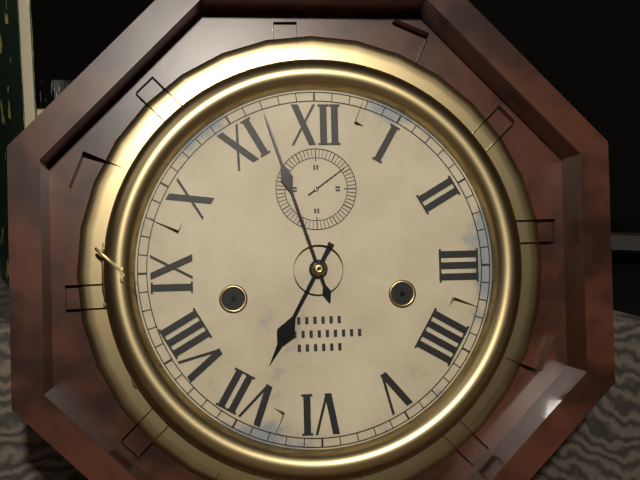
6:57
